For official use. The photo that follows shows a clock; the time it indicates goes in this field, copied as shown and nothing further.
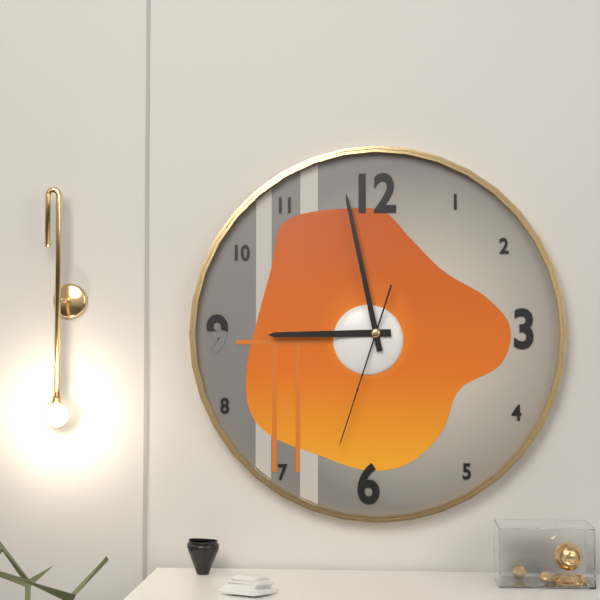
8:58:33
